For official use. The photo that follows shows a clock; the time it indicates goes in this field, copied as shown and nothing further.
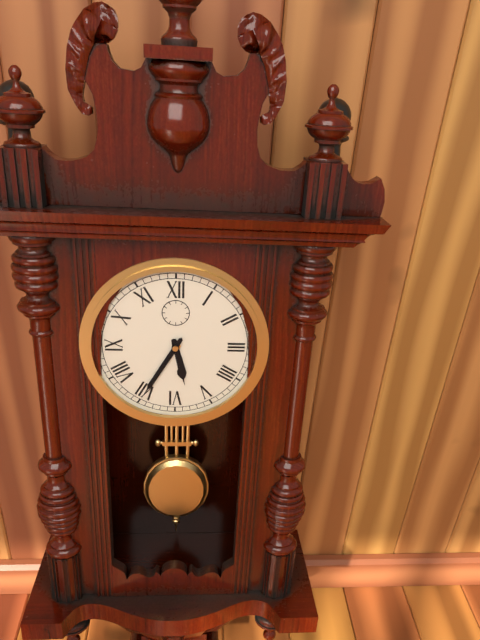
5:35
